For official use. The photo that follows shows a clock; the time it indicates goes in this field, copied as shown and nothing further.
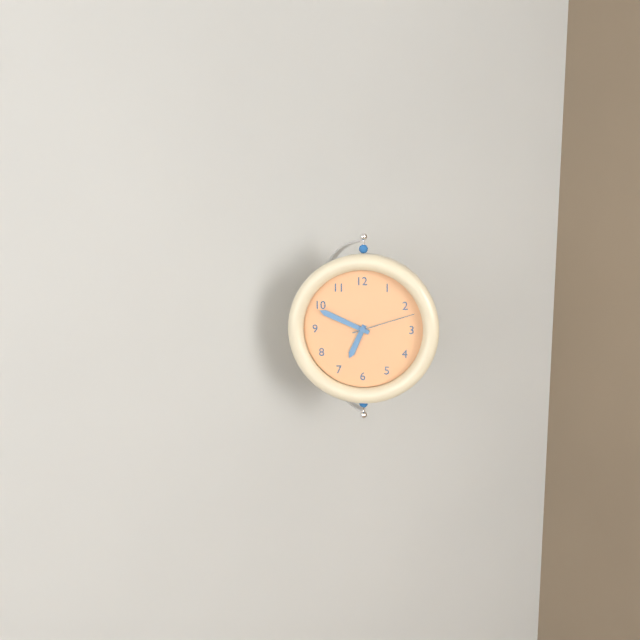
6:49:12
